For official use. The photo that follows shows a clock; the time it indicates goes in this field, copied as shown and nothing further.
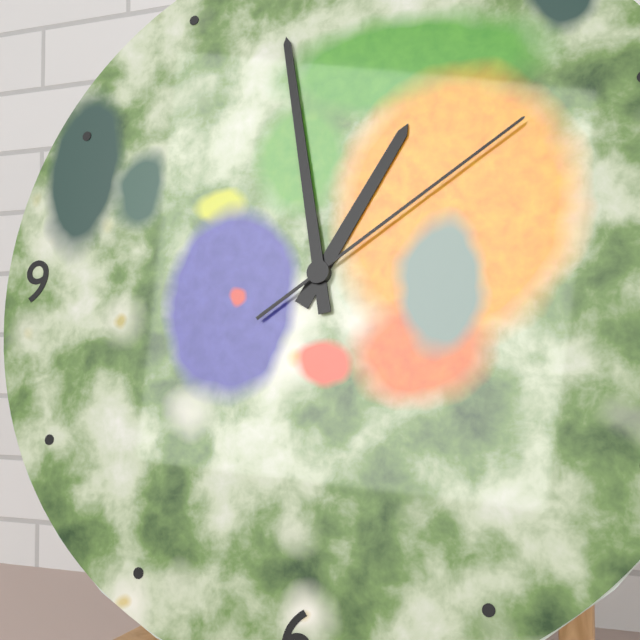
12:58:09
